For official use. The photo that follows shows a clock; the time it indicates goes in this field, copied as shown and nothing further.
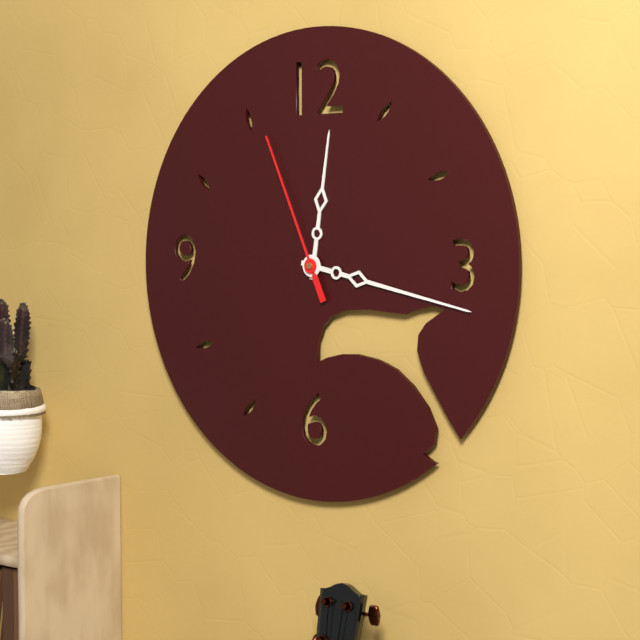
12:17:56
